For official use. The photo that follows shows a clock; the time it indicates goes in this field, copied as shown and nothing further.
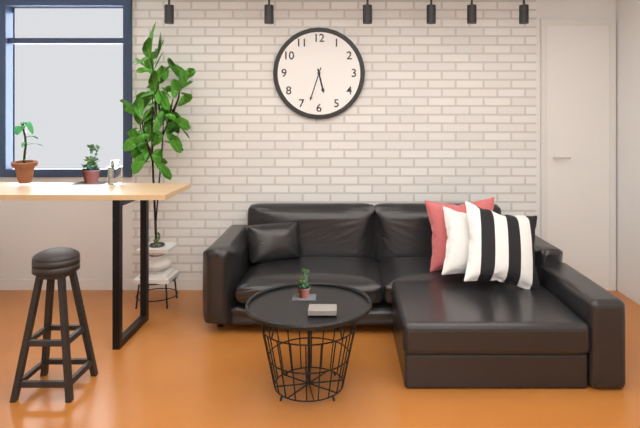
5:33
